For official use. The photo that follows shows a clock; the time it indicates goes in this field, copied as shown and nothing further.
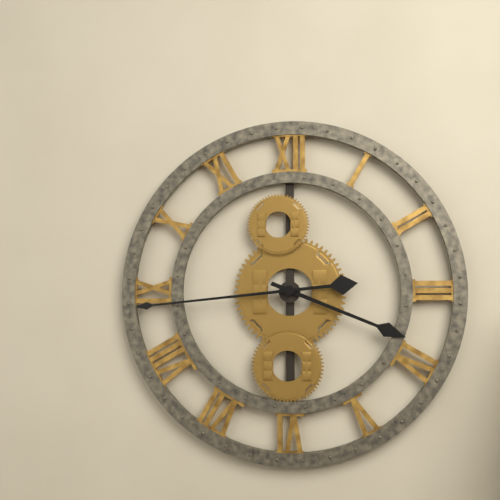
3:44
